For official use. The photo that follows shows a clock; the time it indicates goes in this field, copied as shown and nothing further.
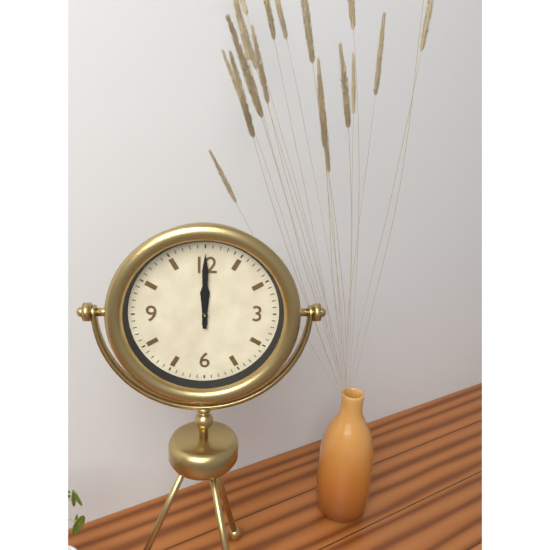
12:00
